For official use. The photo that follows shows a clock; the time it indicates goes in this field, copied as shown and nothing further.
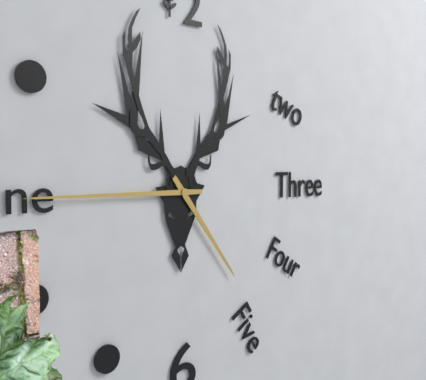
4:45
